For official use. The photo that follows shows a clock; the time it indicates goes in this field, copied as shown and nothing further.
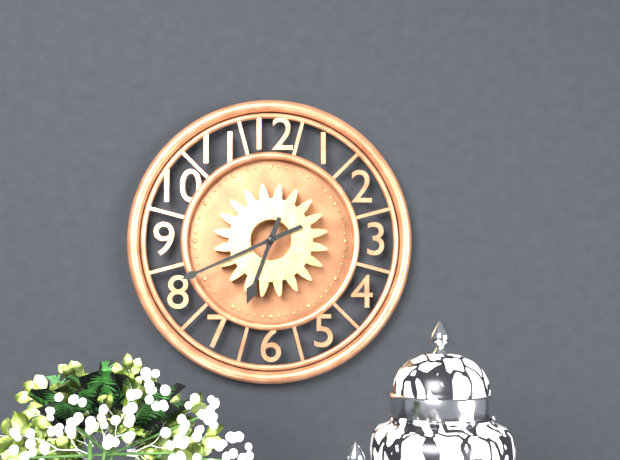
6:41
